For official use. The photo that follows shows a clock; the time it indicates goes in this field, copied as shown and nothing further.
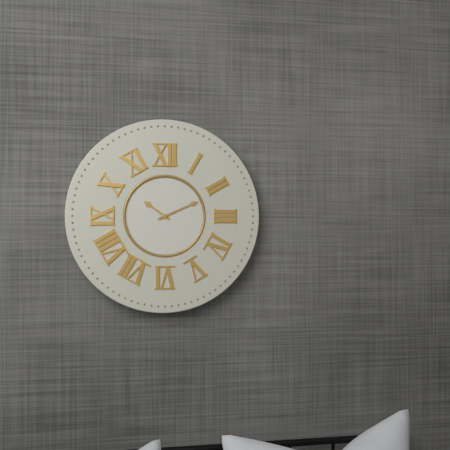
10:11
